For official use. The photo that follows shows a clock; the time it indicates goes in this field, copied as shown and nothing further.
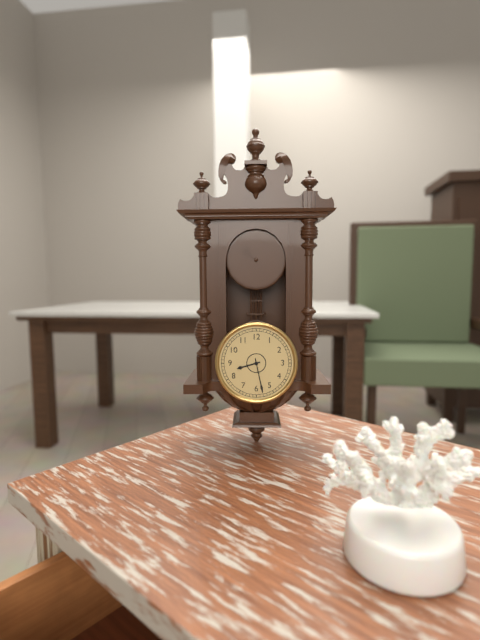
8:28
